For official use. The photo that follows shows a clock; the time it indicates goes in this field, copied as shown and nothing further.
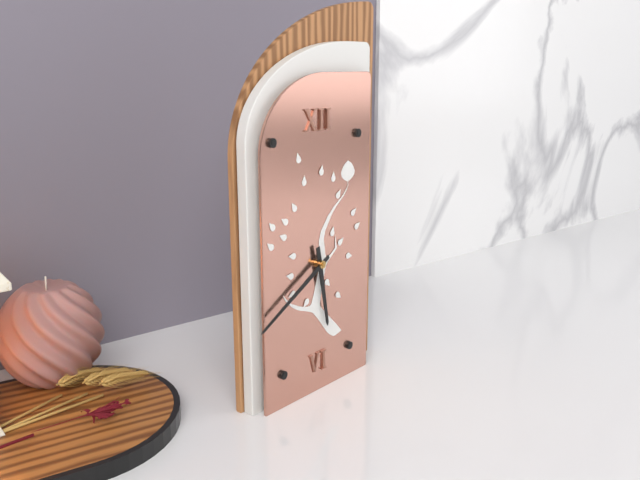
5:40
